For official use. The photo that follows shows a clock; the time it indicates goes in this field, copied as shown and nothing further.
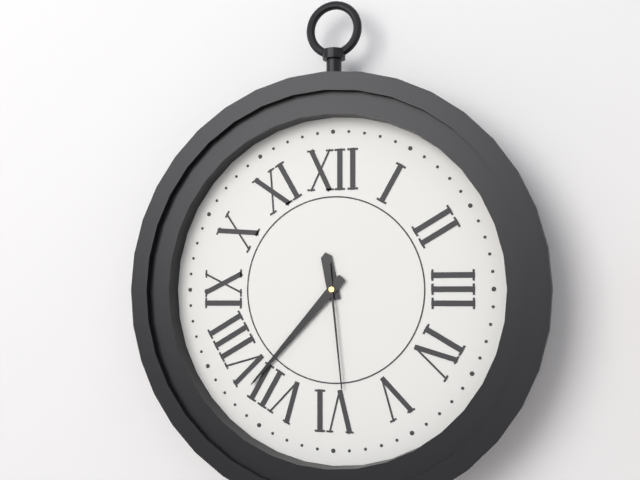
11:37:29
